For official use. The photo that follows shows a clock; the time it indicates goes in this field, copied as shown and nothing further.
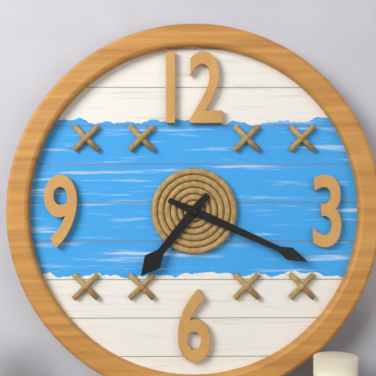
7:19
